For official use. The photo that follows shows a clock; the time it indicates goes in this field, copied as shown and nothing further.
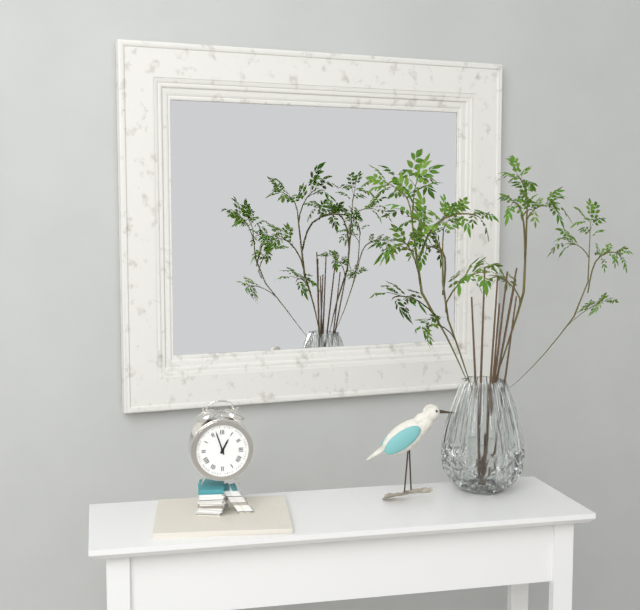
12:57
